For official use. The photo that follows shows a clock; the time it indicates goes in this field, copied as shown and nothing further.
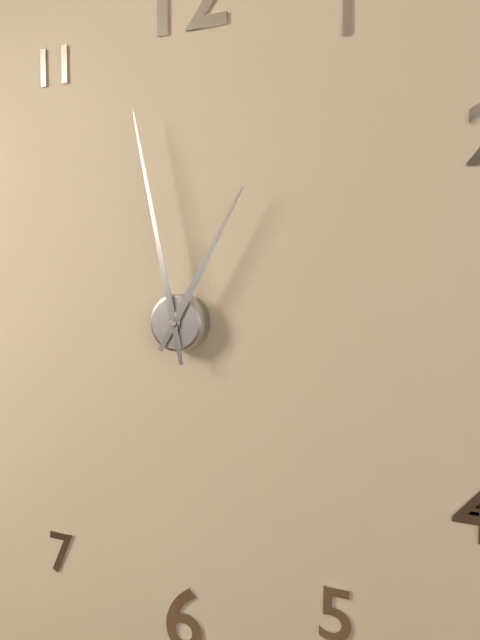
12:58
